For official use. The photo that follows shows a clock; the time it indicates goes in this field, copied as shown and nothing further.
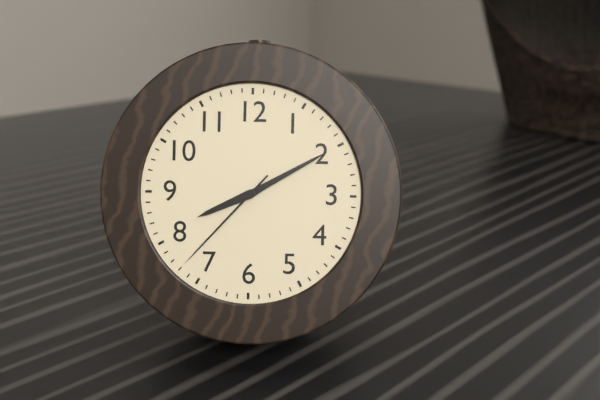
8:10:37
